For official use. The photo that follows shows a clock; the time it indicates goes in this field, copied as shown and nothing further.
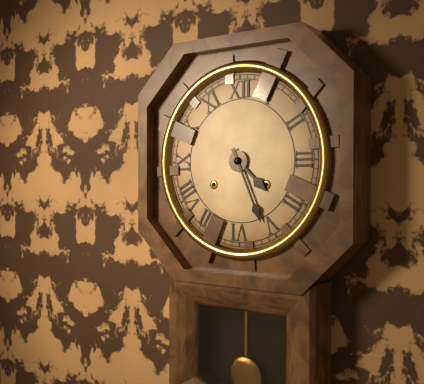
4:26
